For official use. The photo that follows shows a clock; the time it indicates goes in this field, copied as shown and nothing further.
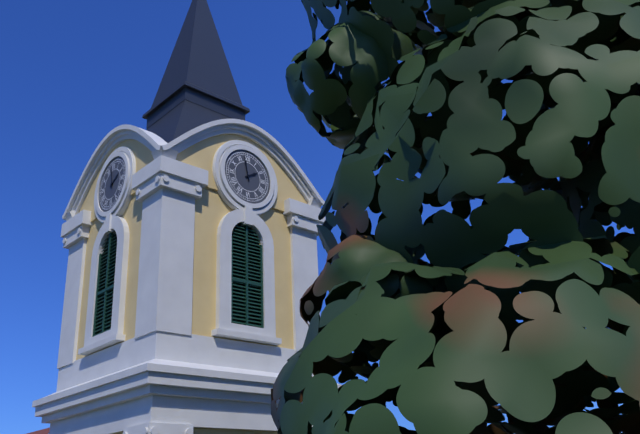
1:58
